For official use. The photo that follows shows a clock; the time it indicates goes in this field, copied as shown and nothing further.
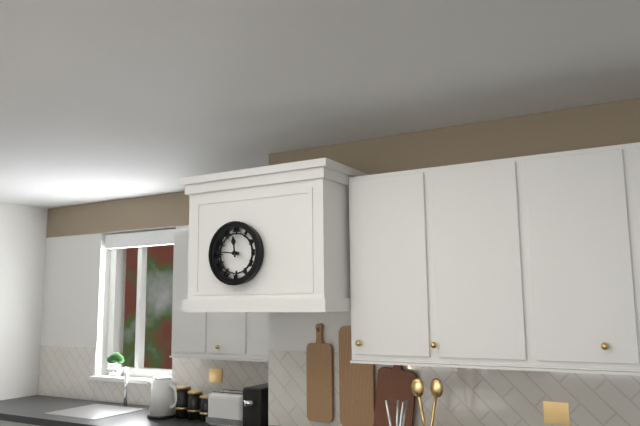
11:46
